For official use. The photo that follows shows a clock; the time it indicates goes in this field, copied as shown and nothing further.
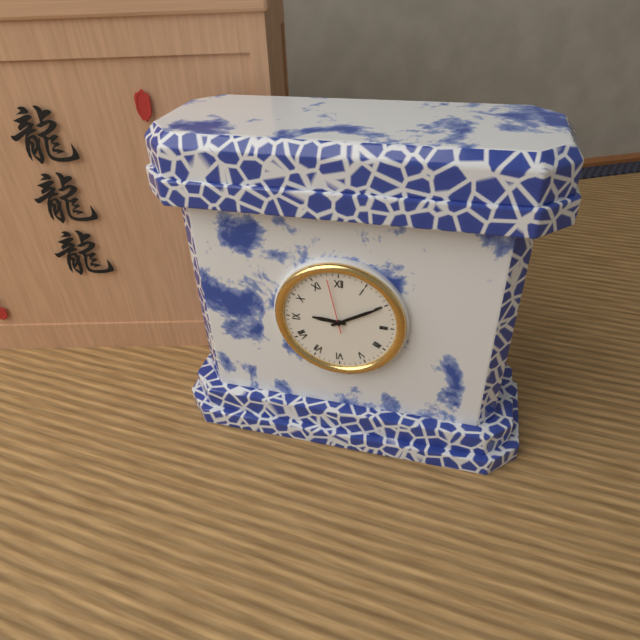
9:10
